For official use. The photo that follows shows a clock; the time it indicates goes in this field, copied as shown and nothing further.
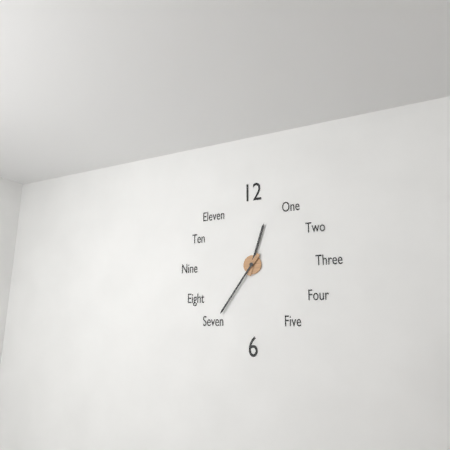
12:36
